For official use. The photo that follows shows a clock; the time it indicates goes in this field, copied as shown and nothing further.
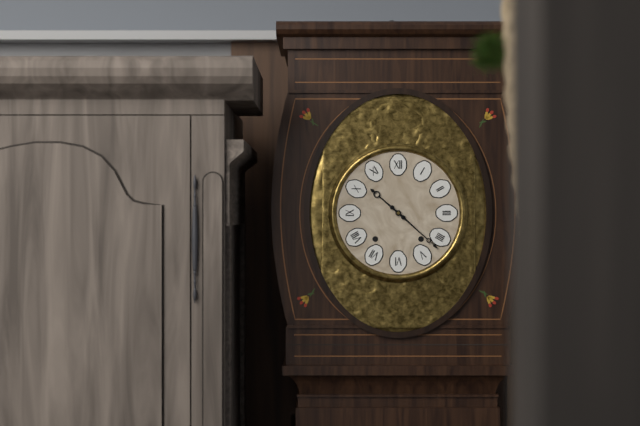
10:22
